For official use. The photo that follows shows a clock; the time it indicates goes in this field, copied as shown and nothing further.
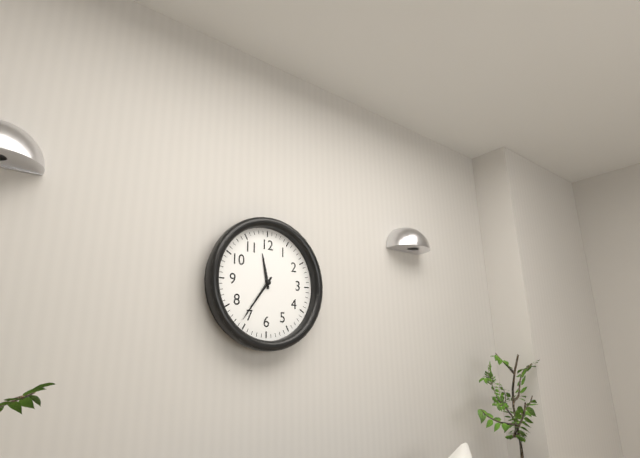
11:36
